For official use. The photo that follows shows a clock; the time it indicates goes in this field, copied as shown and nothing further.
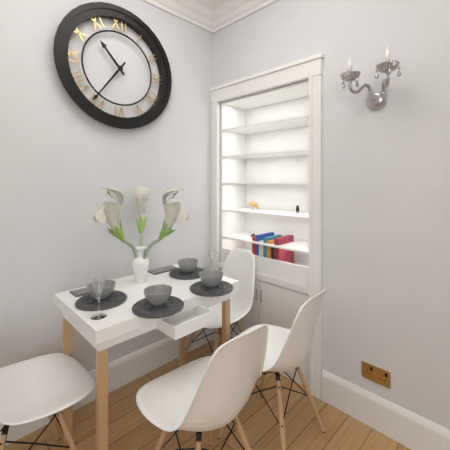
10:36
